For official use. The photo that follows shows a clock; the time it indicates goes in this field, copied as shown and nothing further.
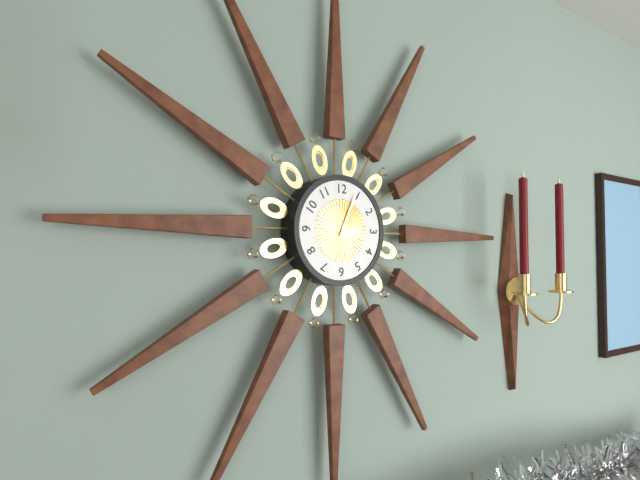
3:04
